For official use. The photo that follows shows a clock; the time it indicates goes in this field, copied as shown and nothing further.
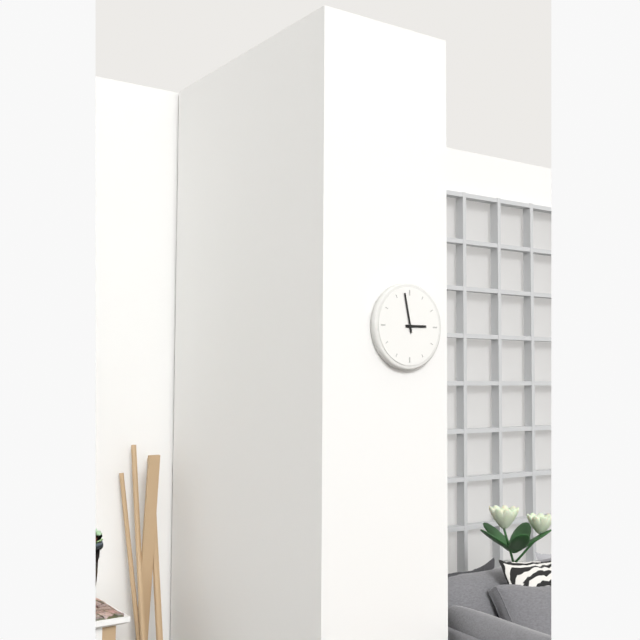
2:58
